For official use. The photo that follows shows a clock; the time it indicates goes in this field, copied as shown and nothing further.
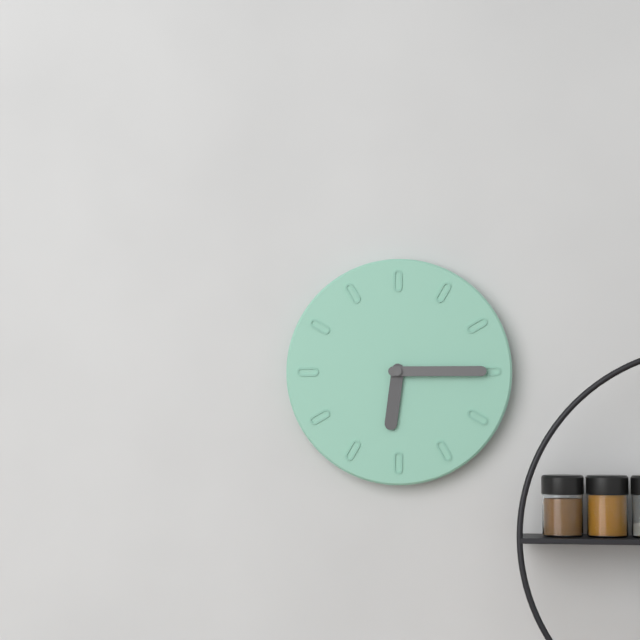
6:15
